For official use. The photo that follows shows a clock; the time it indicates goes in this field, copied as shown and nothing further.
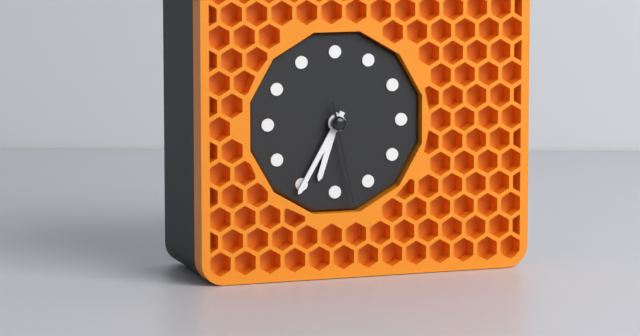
6:35:28
